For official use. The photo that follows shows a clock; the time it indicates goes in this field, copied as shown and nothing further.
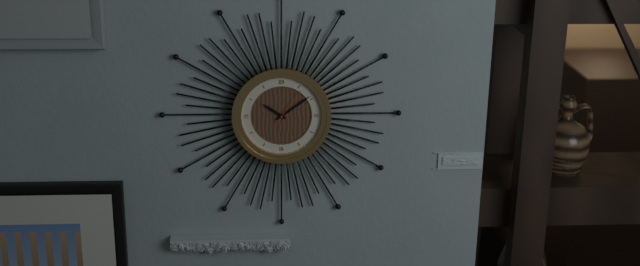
10:09
